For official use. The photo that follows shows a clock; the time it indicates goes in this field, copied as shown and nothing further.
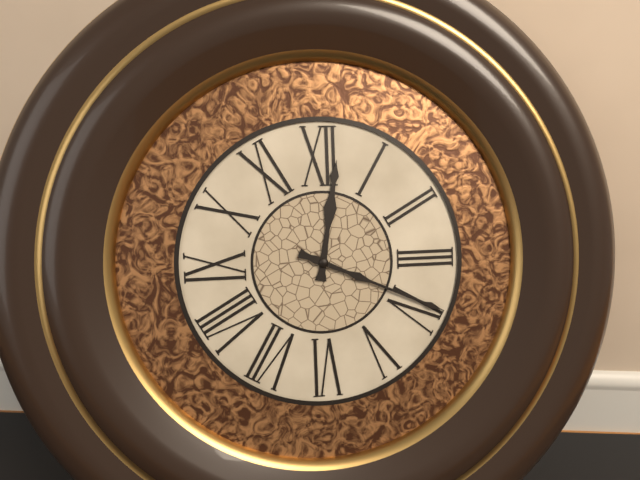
12:19
